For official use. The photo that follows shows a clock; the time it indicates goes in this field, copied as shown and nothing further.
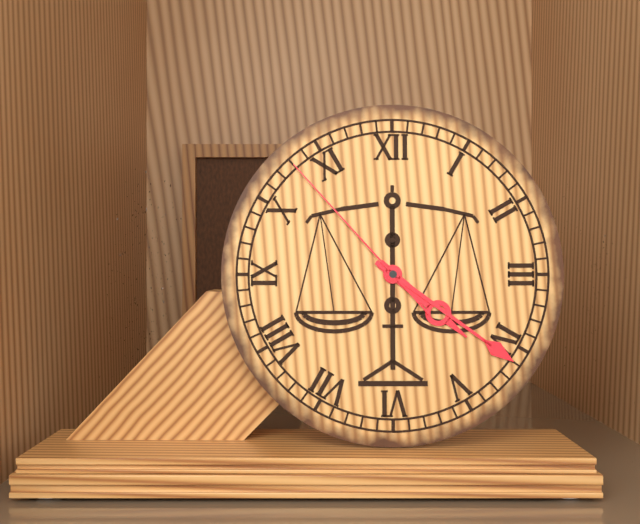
4:21:53
